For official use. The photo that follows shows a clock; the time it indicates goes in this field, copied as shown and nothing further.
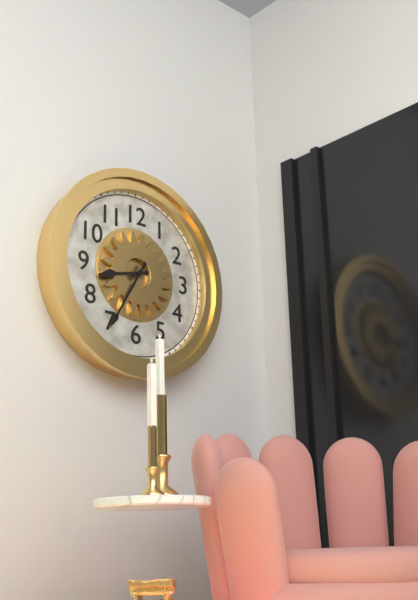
8:35
